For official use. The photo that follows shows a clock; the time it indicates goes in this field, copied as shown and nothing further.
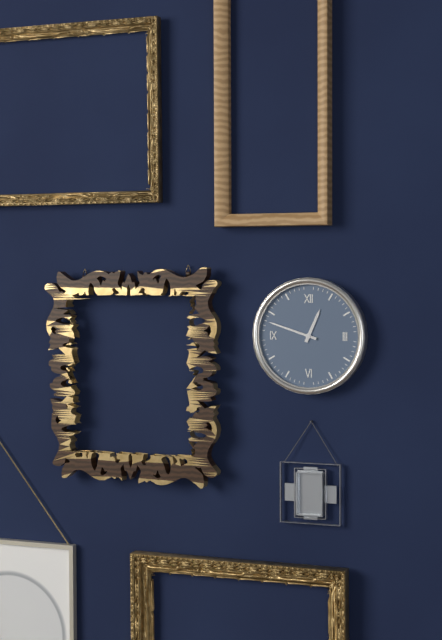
12:48
